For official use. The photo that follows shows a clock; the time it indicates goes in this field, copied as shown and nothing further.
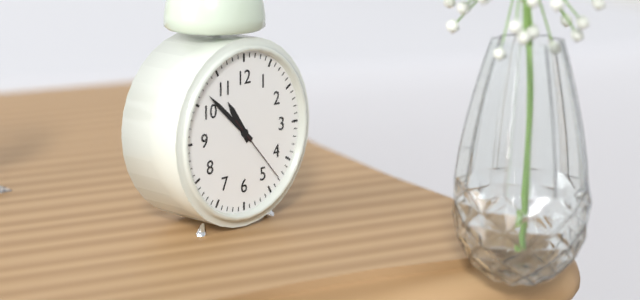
10:52:23
